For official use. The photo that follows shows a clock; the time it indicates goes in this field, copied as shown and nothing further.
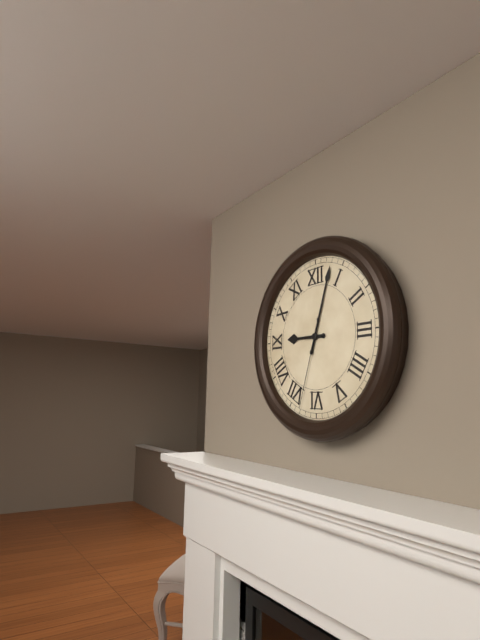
9:03:33
